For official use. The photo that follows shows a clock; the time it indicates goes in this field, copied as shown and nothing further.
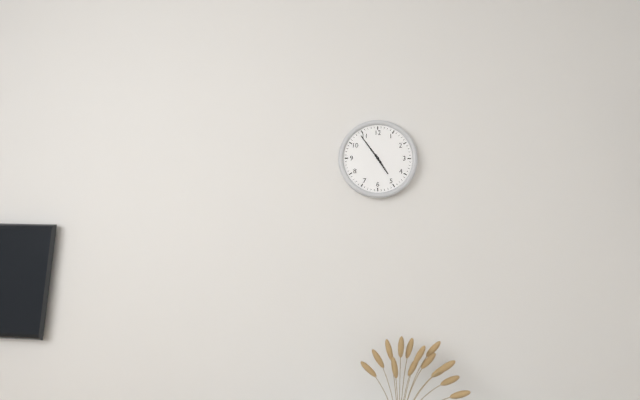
4:54
